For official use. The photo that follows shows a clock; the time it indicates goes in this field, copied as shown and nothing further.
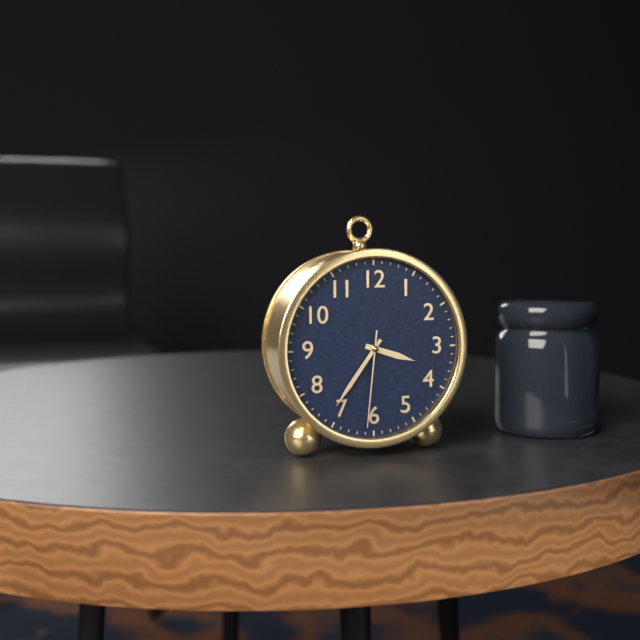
3:36:31
